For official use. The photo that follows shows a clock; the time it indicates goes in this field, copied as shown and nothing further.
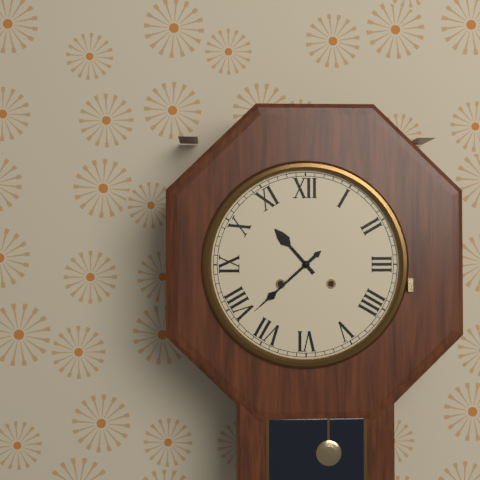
10:38
